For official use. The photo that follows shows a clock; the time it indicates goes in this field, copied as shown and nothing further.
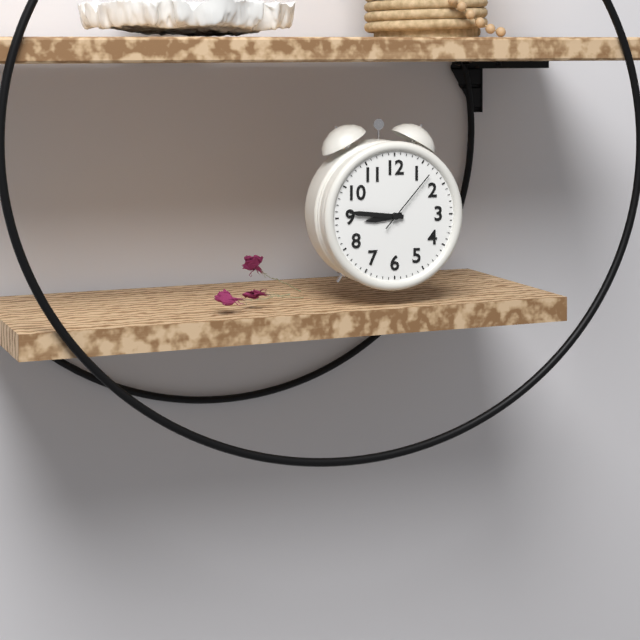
8:46:07
